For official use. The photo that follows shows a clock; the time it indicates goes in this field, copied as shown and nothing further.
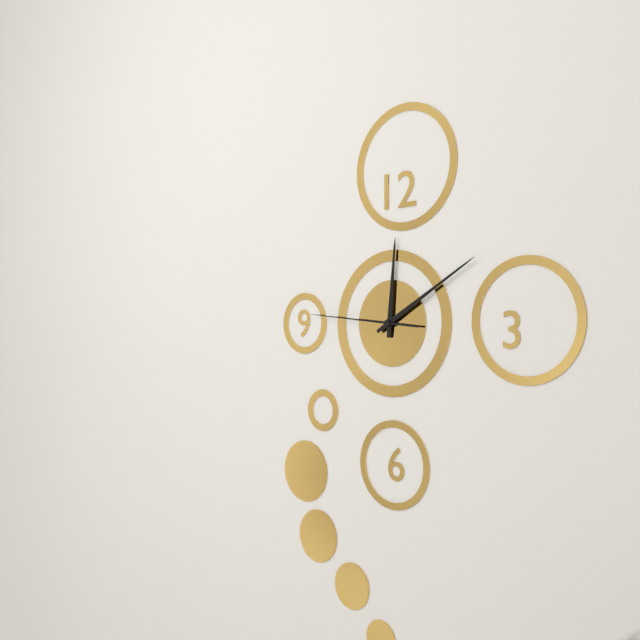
12:10:46
